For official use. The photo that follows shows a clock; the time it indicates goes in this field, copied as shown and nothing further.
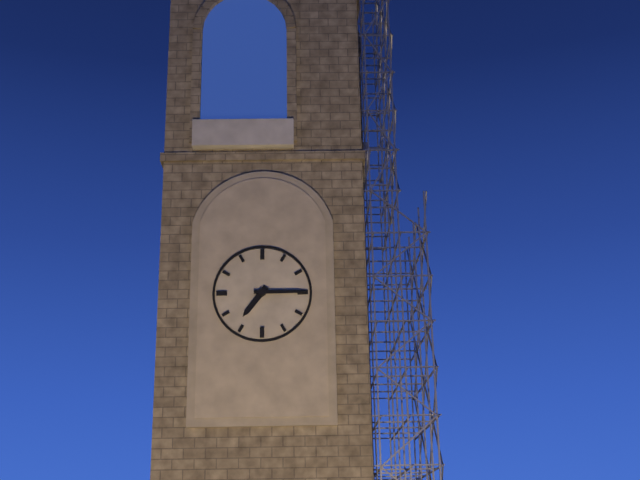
7:15
